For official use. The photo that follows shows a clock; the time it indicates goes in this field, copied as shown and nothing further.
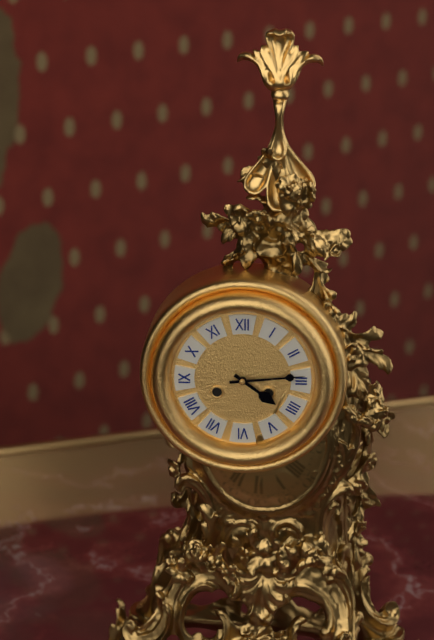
4:14
